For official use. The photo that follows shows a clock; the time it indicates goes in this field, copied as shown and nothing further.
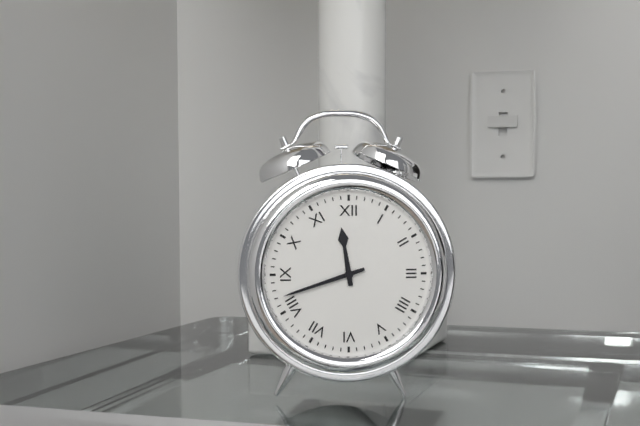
11:42
